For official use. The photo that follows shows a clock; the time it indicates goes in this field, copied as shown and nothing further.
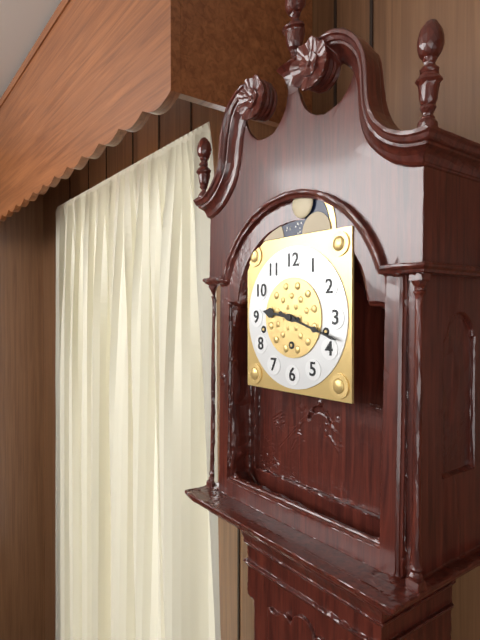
9:18
